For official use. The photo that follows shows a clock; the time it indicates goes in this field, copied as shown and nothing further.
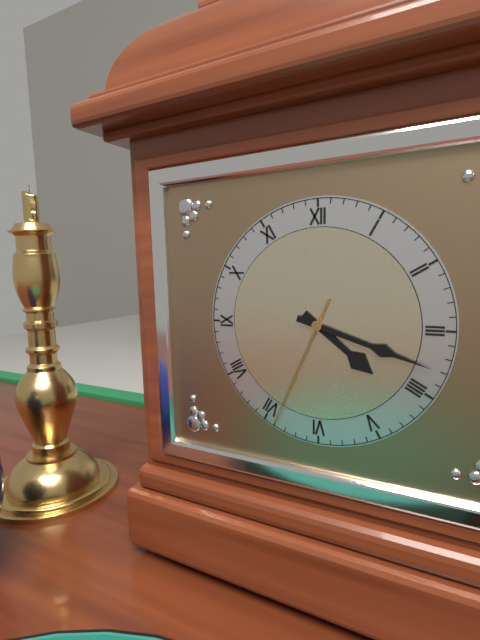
4:18:34
